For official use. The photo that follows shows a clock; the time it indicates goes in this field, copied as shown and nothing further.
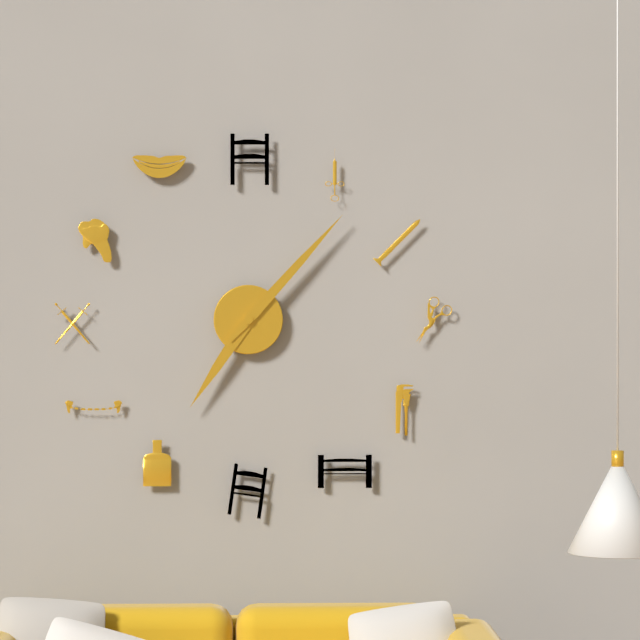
7:07
